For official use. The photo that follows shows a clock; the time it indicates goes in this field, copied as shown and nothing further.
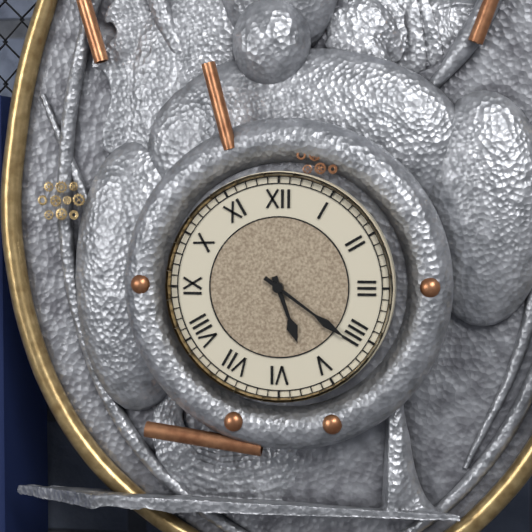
5:21
